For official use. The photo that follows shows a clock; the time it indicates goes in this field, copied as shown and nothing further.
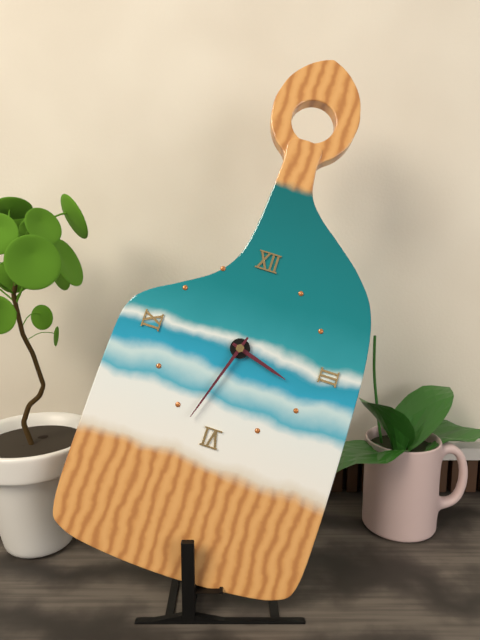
3:33
